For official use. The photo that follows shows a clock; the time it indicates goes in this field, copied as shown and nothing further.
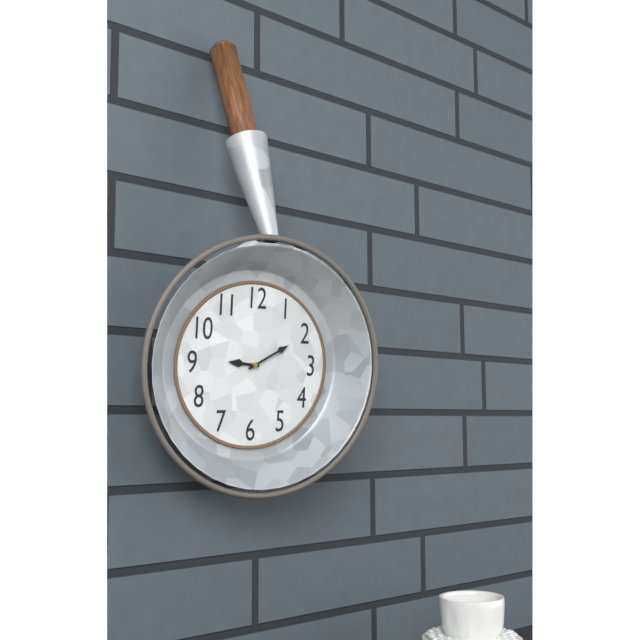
9:10
